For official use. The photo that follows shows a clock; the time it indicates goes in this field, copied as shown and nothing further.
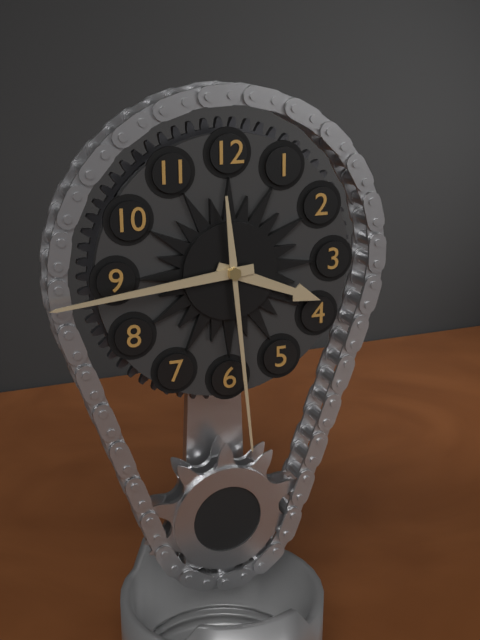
3:44:29
